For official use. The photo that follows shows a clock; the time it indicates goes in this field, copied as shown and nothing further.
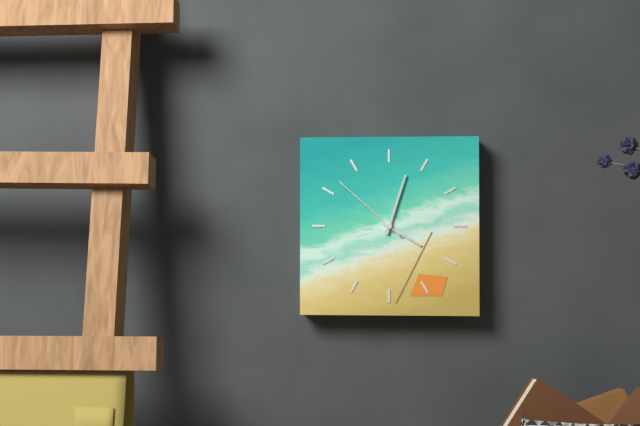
4:03:52
